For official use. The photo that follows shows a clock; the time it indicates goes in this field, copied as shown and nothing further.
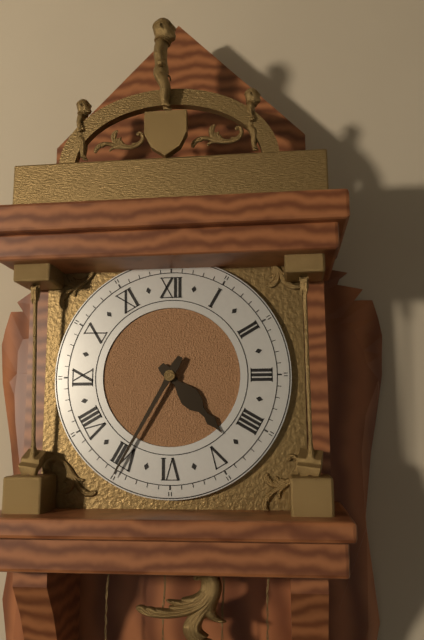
4:35
